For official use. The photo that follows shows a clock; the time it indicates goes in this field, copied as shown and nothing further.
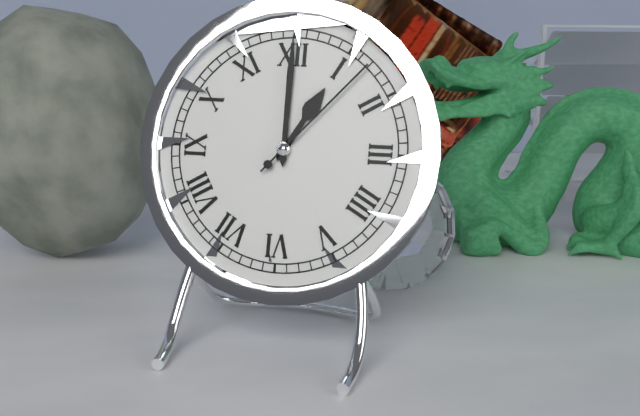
1:00:07
